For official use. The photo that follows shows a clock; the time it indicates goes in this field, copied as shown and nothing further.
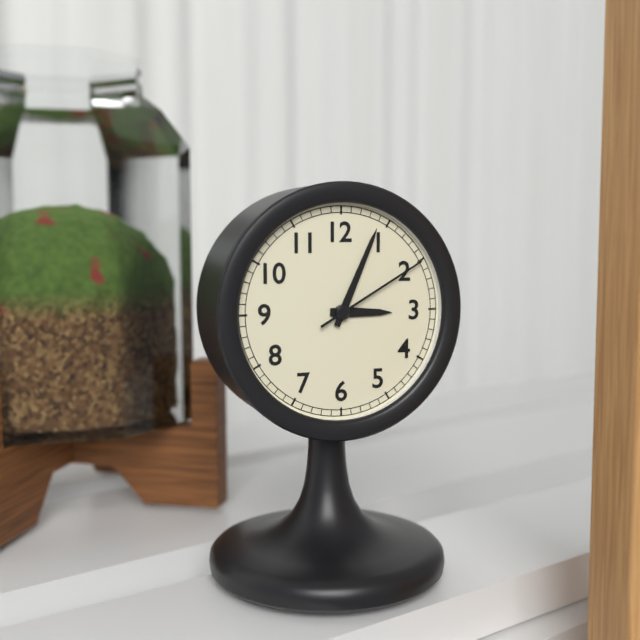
3:04:10
